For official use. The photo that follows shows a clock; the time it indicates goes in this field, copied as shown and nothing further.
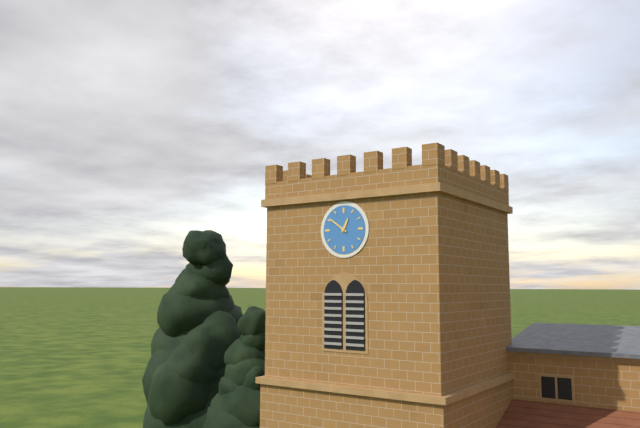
12:51
